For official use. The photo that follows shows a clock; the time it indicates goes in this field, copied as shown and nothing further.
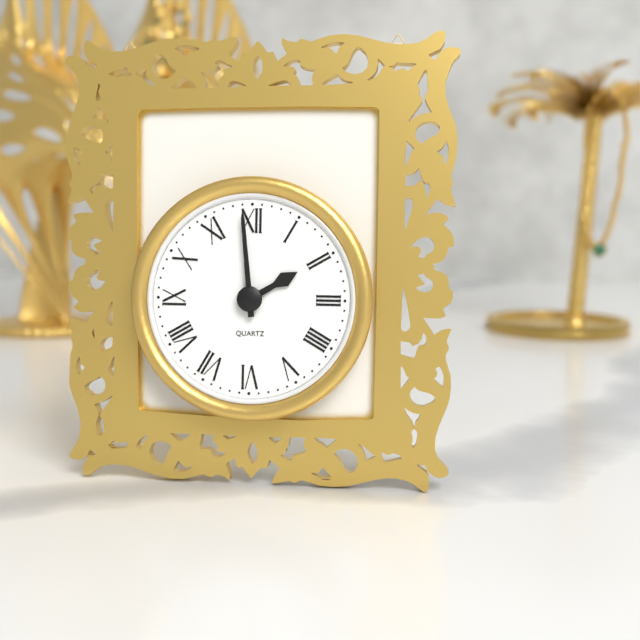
1:59
